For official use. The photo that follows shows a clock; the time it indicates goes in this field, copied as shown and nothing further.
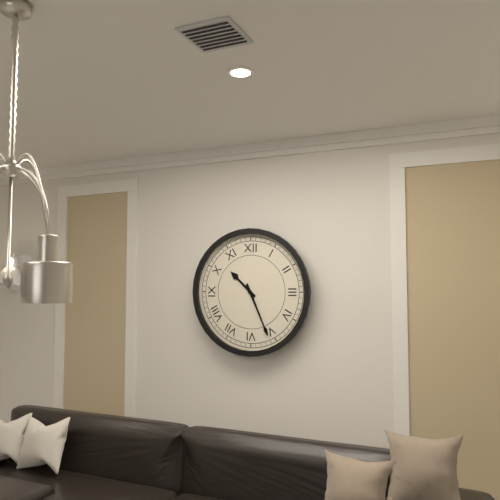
10:26
